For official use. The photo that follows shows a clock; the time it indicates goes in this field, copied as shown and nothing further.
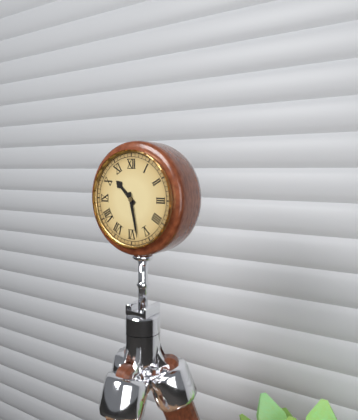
10:28
